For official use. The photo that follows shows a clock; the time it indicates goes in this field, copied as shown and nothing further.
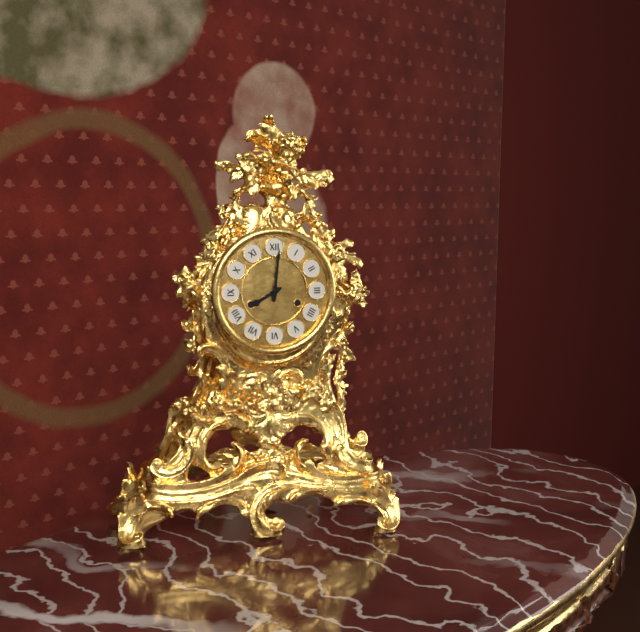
8:01
